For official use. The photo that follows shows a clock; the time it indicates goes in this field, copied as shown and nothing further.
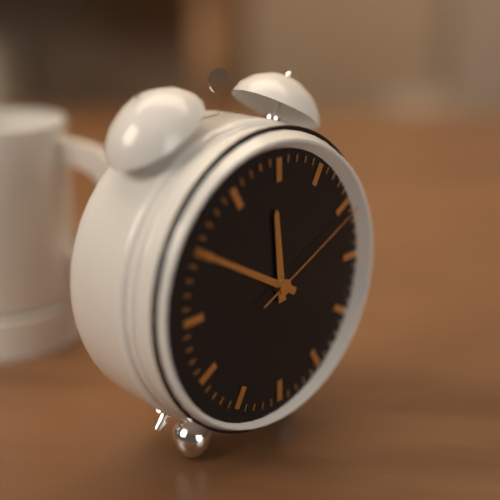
11:50:11
